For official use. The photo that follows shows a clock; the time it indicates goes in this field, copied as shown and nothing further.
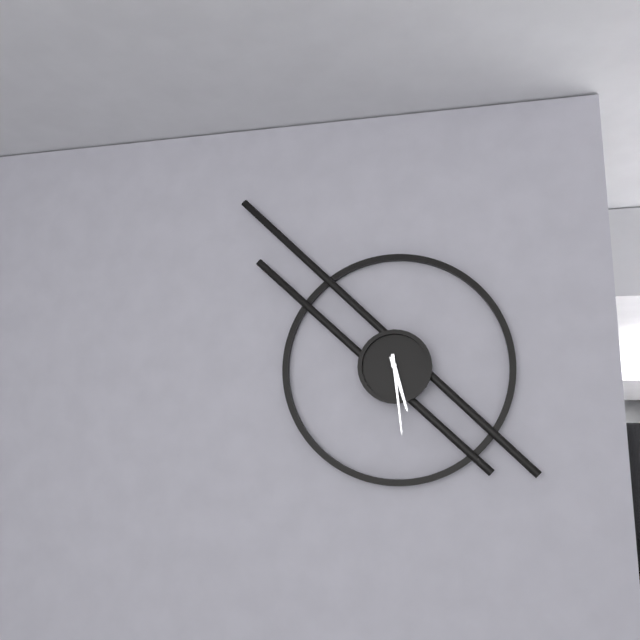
5:29
